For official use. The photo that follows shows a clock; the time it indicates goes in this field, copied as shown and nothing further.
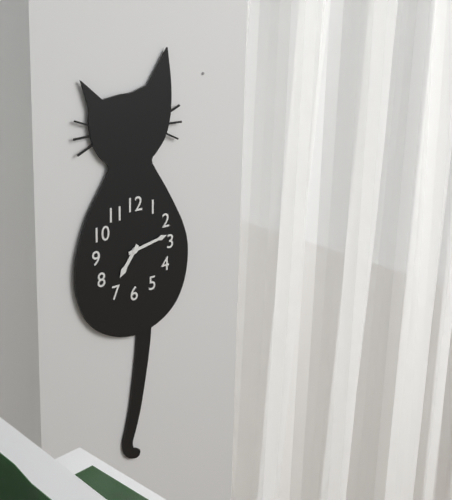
7:13
